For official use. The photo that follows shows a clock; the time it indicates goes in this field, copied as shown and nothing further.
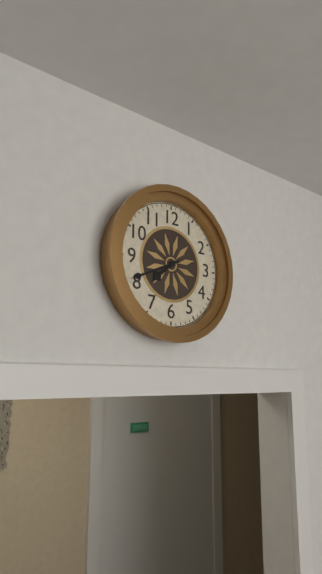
7:41
